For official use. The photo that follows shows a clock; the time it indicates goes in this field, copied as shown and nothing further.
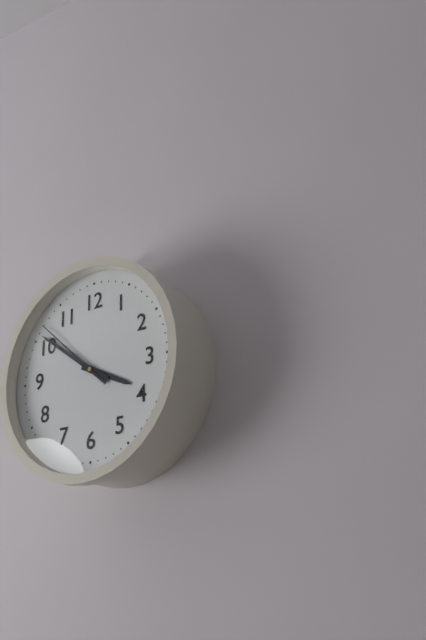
3:51:52
